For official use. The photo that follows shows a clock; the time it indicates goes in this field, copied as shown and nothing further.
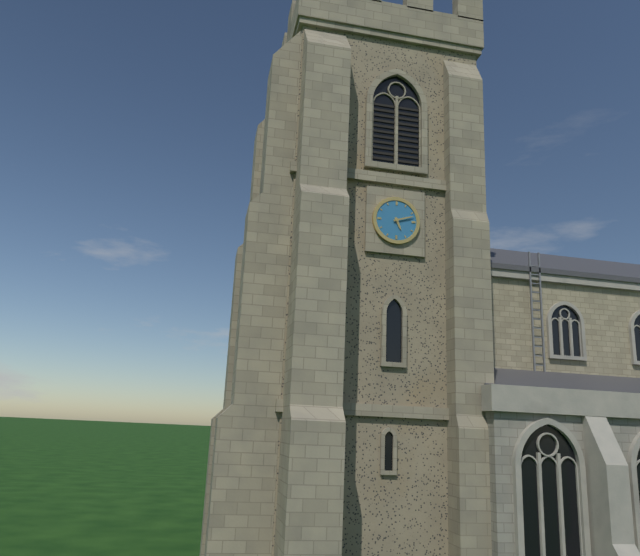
5:12
